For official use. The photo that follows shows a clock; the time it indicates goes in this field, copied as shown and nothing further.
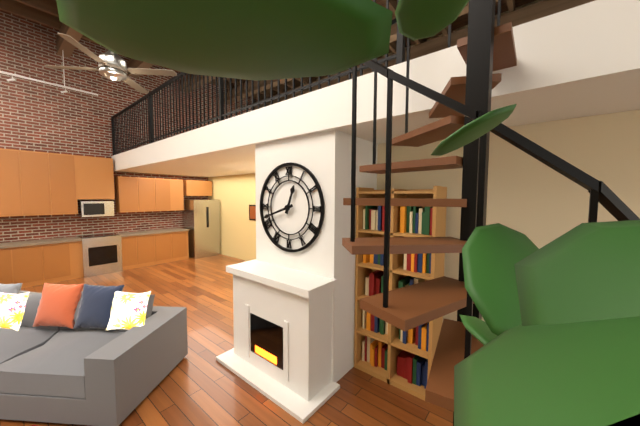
12:42
